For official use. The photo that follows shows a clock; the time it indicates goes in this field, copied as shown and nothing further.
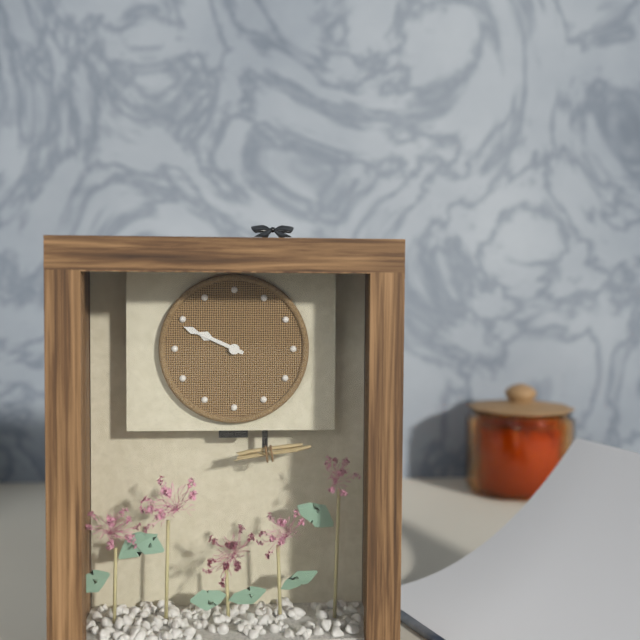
9:49
